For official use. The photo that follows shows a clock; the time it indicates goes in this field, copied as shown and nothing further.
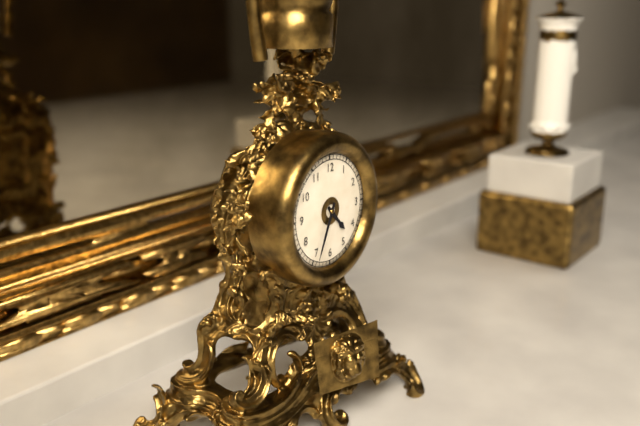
4:34
